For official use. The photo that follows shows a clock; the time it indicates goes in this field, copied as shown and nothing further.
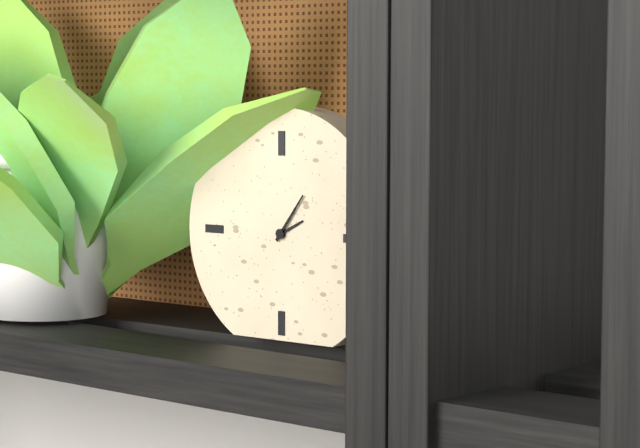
2:06
